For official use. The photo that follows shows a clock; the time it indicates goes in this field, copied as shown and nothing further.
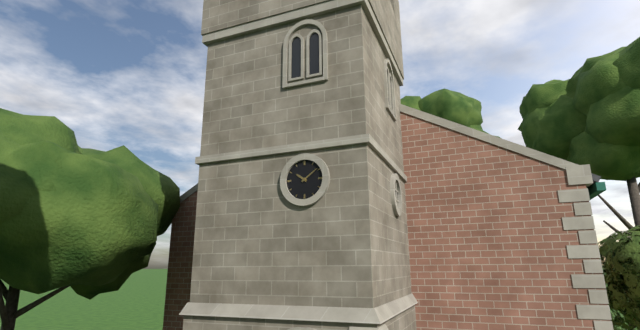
10:09
